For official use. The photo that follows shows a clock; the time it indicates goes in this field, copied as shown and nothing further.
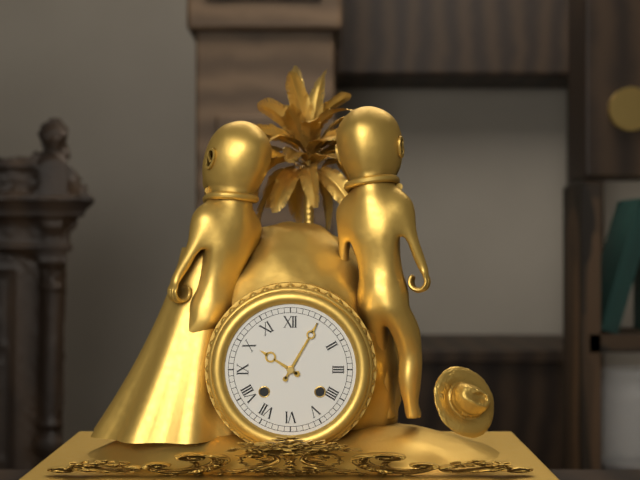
10:05
